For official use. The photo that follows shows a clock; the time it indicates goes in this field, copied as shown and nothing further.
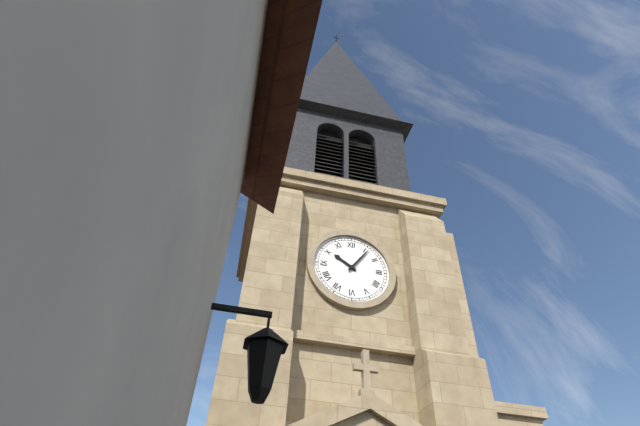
10:06
